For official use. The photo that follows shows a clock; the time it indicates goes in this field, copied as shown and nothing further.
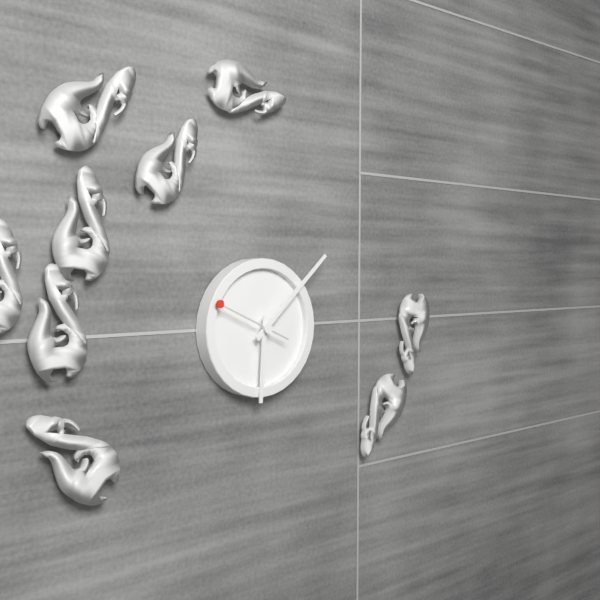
6:08:49
